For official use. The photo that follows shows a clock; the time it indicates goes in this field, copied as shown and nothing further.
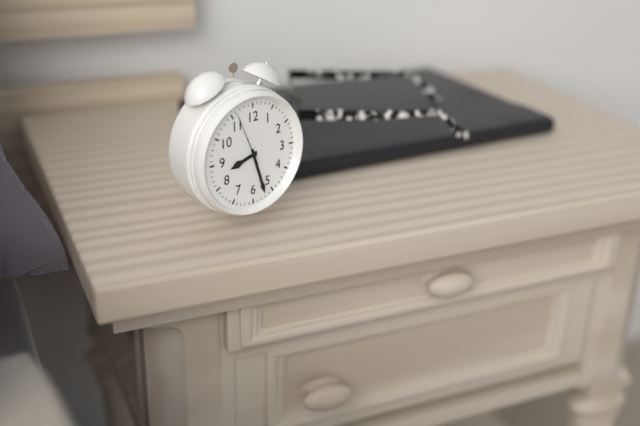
8:27:56
